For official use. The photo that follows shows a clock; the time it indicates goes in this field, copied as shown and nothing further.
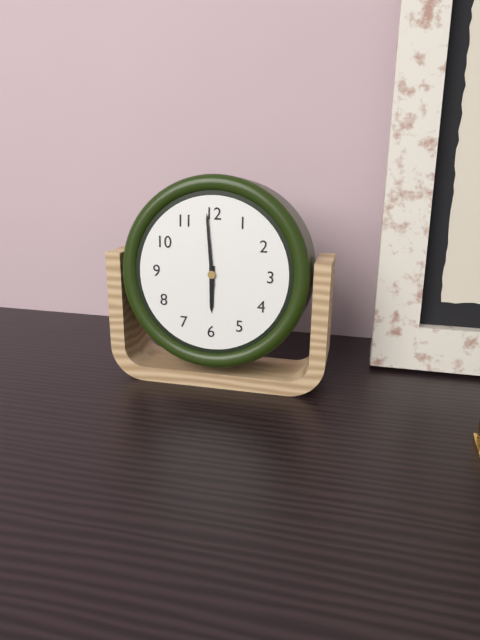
5:59
